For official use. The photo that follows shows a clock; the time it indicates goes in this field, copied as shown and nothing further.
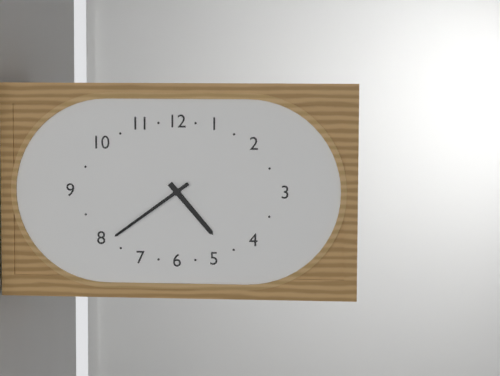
4:39
